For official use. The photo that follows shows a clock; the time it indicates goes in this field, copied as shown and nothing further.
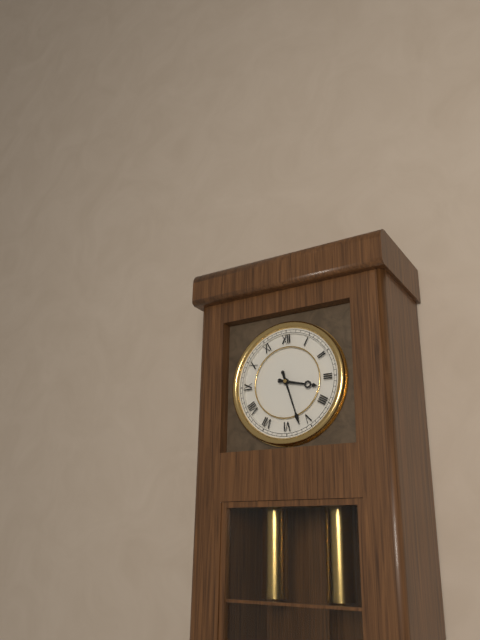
3:27
